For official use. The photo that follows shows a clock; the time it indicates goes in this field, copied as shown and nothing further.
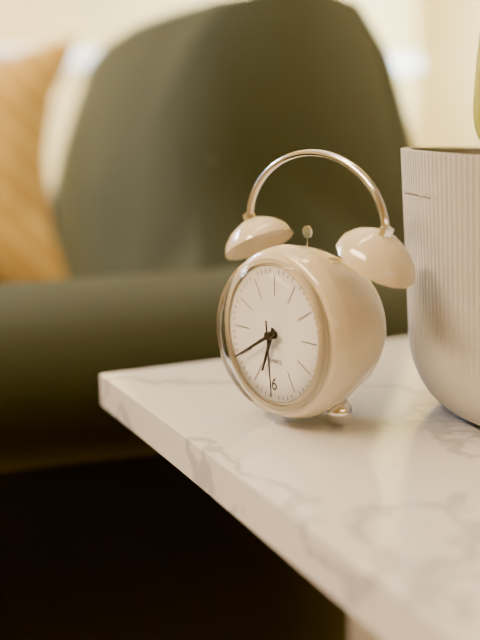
6:40:29
